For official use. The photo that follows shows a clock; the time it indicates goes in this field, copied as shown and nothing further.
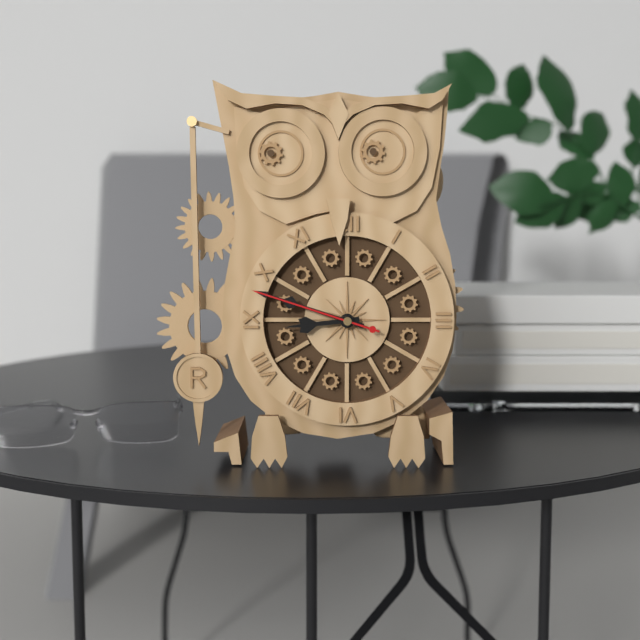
8:48:48
